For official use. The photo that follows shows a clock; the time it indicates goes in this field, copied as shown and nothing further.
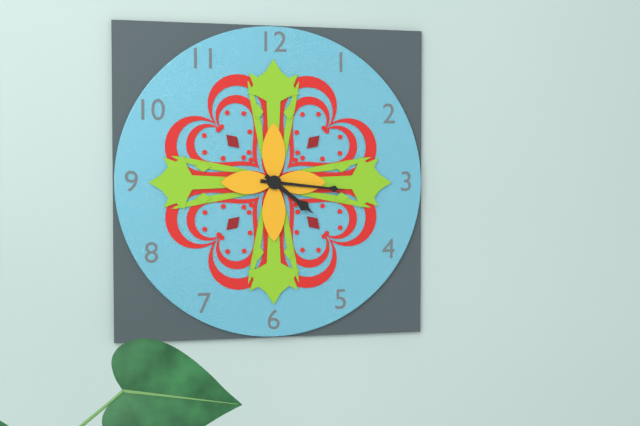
4:16
